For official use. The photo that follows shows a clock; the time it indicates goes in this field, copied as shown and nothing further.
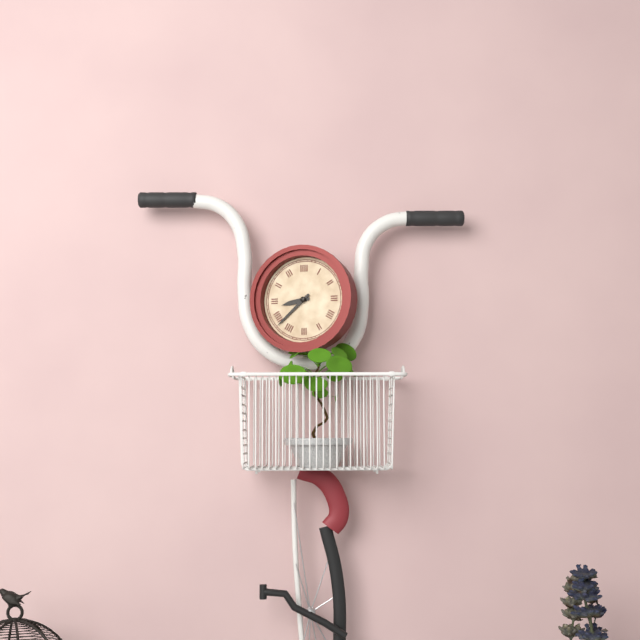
8:38
